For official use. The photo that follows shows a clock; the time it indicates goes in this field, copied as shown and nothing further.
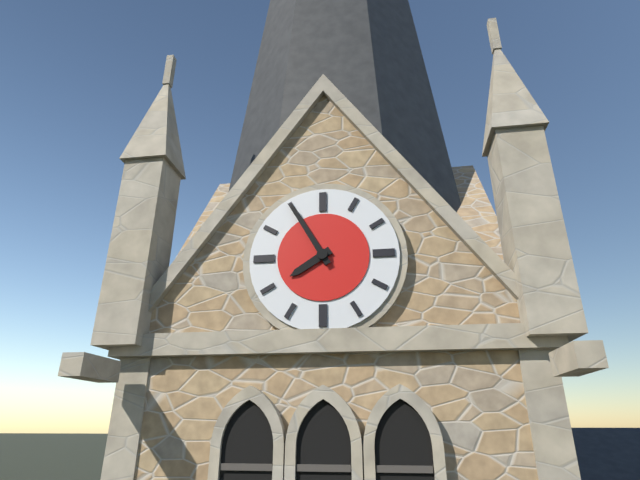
7:55
